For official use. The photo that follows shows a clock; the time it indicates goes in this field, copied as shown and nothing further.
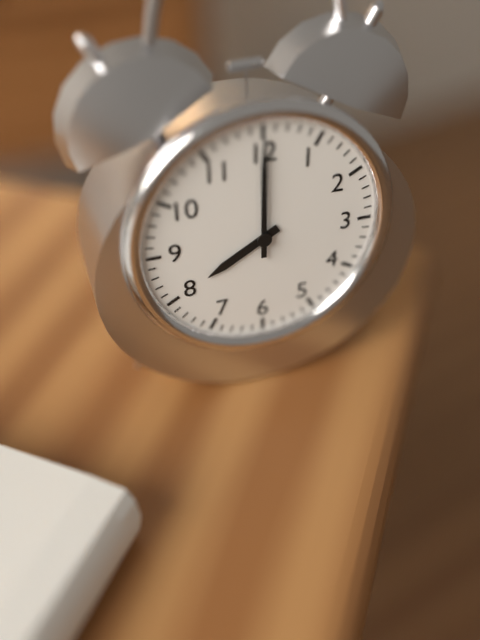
8:00
